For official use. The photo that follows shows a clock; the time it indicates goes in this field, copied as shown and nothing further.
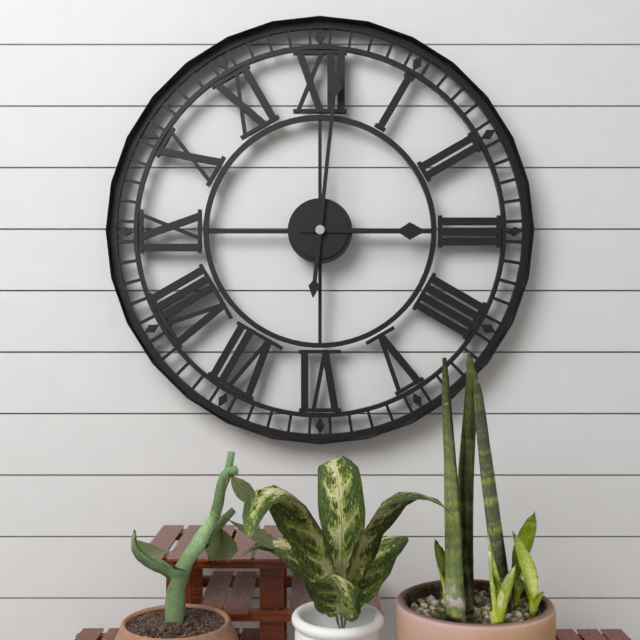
3:01
